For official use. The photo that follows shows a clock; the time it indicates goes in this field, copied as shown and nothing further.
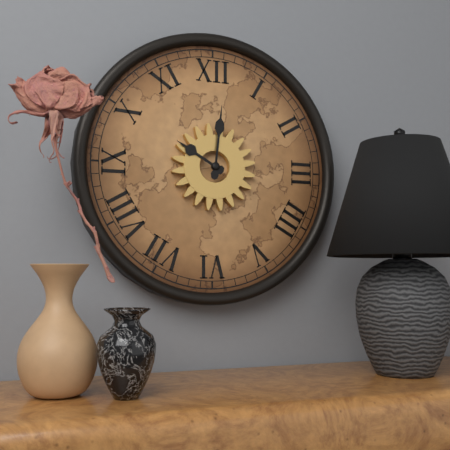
10:01
